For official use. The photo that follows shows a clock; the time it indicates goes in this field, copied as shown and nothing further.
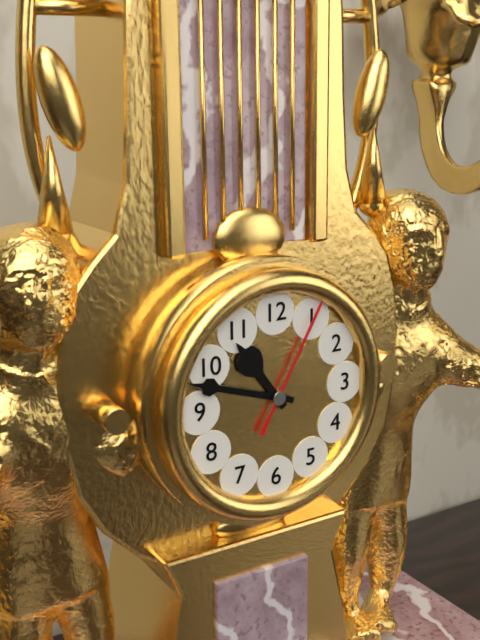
10:48:05
